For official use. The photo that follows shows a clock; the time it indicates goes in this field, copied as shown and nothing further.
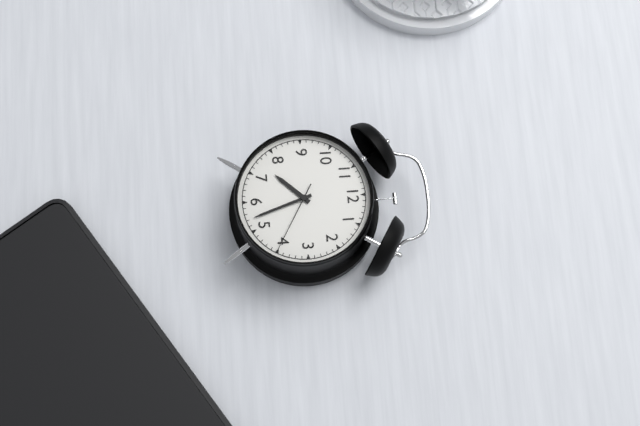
7:27:20
